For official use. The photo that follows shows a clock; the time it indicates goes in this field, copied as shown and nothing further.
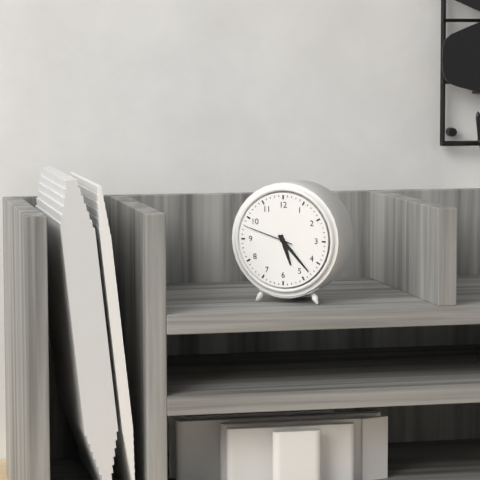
5:23:48
